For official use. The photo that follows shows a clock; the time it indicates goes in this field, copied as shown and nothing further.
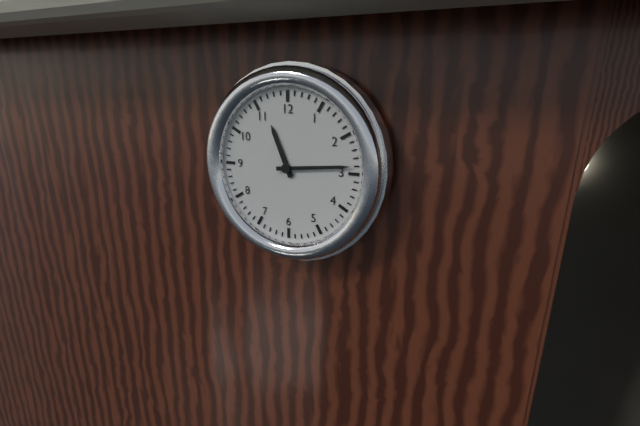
11:14
